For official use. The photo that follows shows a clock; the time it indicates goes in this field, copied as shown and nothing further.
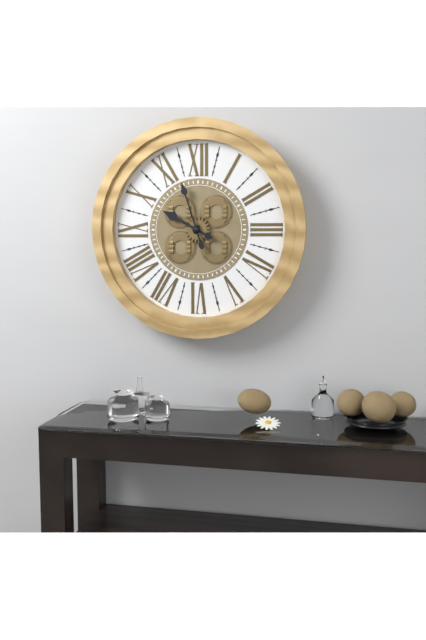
9:57
